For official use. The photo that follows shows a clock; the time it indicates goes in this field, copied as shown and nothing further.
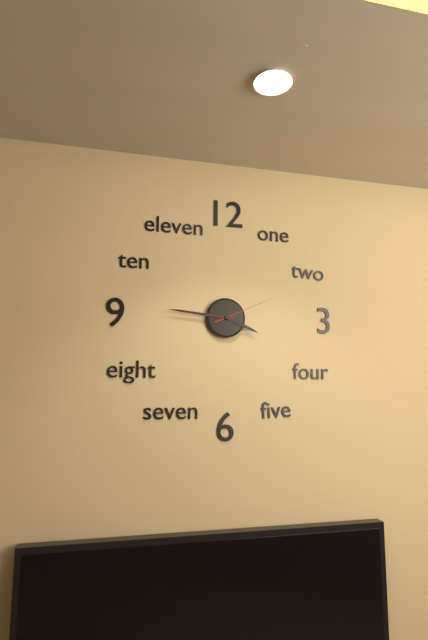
3:46:11
